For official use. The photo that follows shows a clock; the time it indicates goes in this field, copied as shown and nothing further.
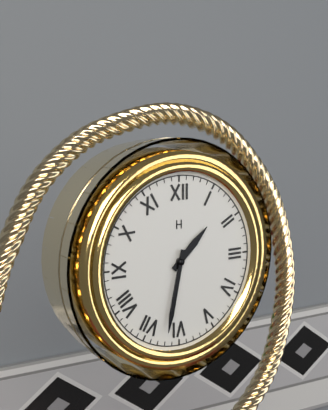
1:32
